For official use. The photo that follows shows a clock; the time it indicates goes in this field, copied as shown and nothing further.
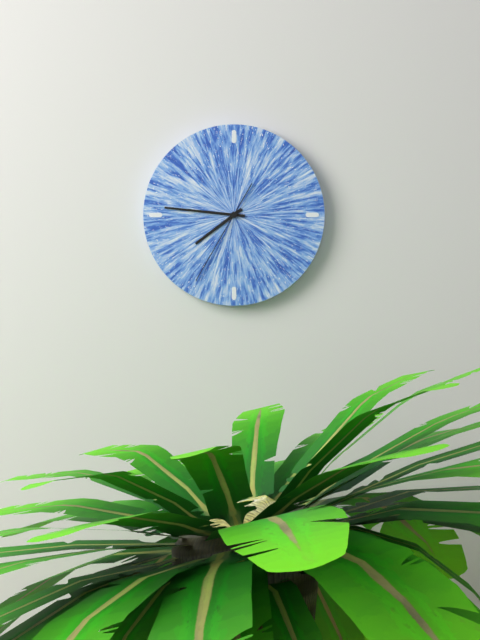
7:46:35
